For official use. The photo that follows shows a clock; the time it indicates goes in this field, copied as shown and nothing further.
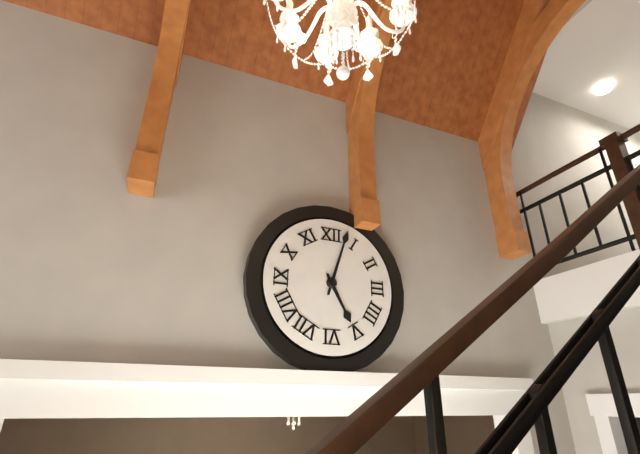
5:03
